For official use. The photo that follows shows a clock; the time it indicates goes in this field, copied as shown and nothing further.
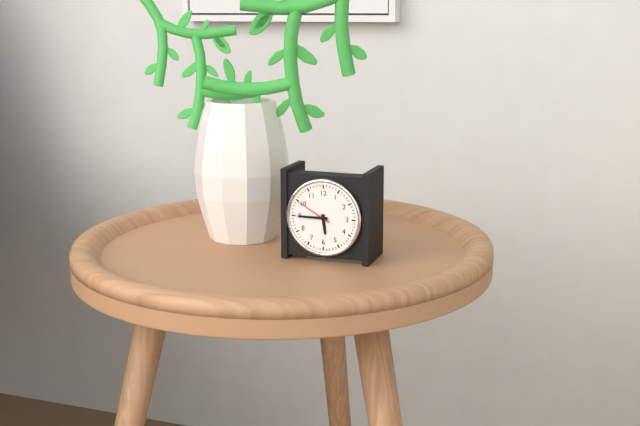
5:45
